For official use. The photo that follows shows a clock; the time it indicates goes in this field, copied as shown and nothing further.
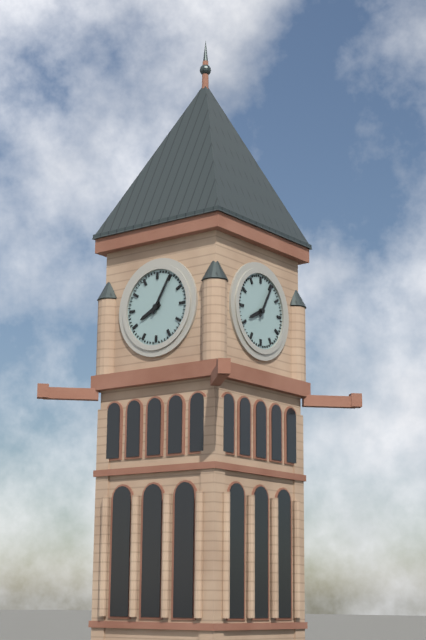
8:05
